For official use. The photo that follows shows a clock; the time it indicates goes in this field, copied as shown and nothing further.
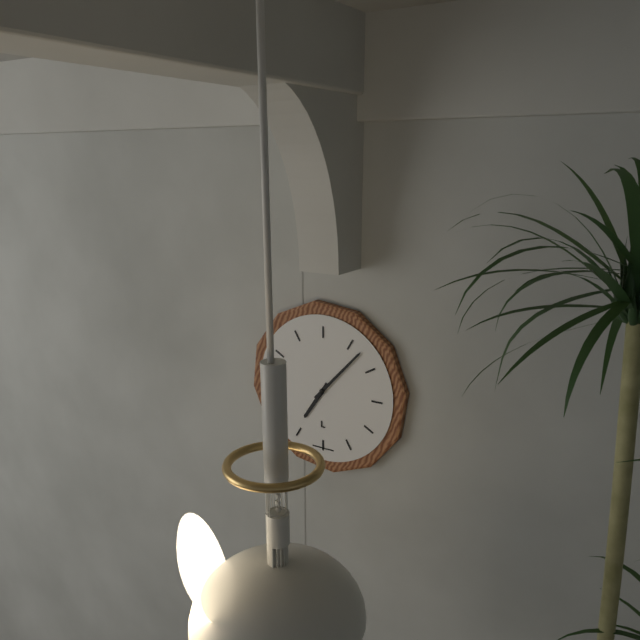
7:07
